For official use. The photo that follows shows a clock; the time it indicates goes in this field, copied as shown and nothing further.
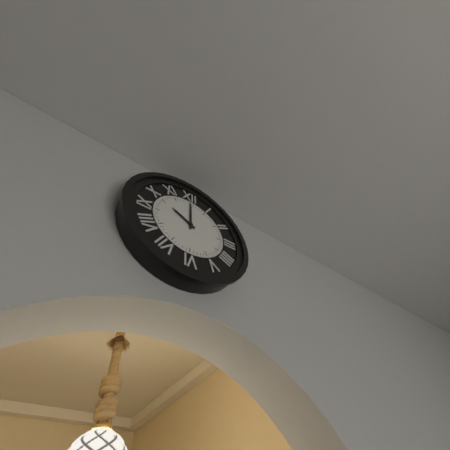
10:00
